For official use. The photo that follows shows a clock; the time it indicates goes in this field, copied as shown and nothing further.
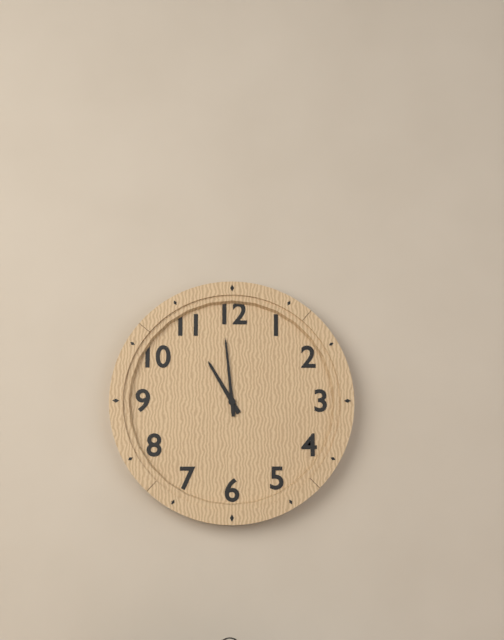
10:59
